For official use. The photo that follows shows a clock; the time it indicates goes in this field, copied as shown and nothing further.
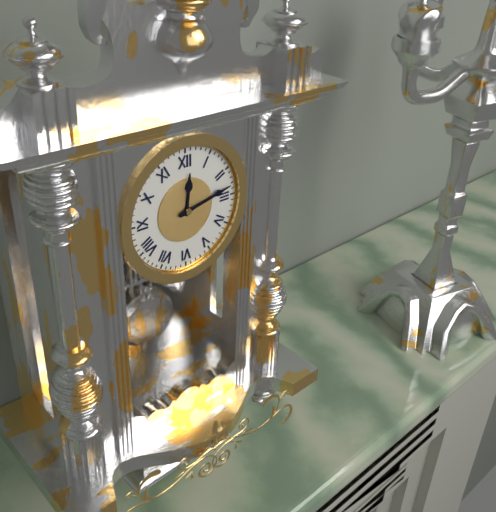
12:13
